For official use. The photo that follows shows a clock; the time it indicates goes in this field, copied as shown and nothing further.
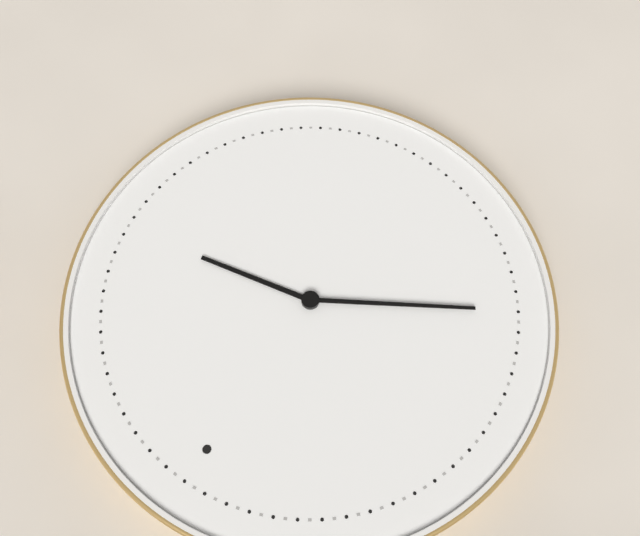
2:40
